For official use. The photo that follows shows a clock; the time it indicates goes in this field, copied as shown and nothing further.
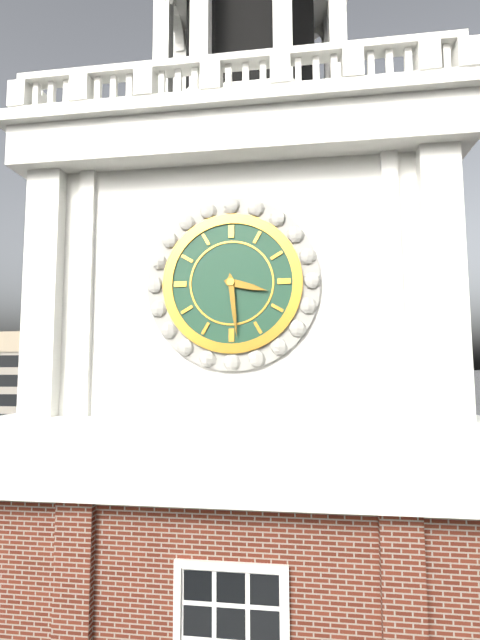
3:29
